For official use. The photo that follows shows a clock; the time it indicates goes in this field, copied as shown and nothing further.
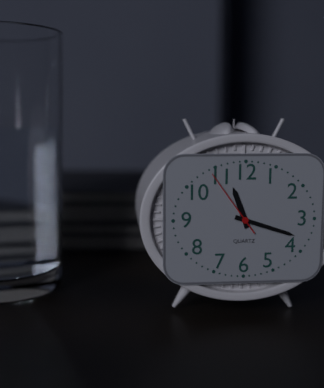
11:18:54
